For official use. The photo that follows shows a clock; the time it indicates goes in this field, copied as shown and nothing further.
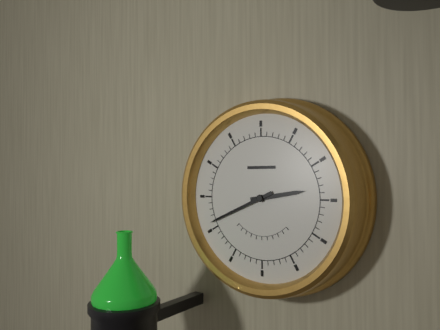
2:41
